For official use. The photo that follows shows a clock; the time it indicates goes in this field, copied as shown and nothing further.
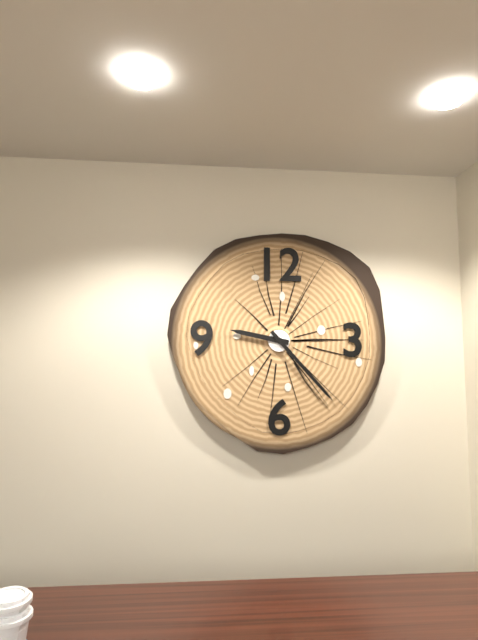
9:23
